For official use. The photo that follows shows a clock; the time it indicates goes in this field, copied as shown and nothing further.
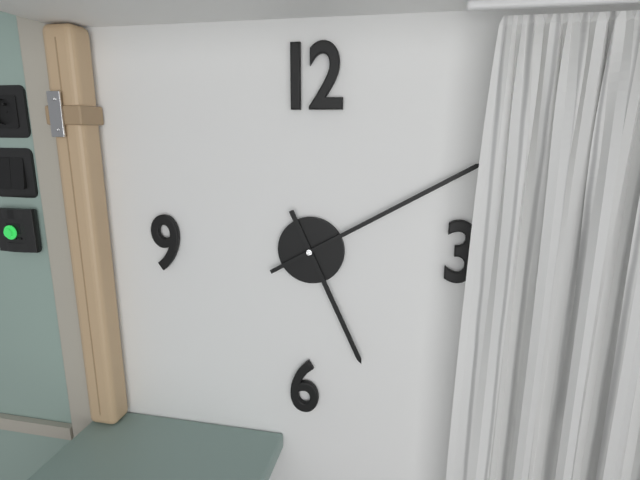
5:10
